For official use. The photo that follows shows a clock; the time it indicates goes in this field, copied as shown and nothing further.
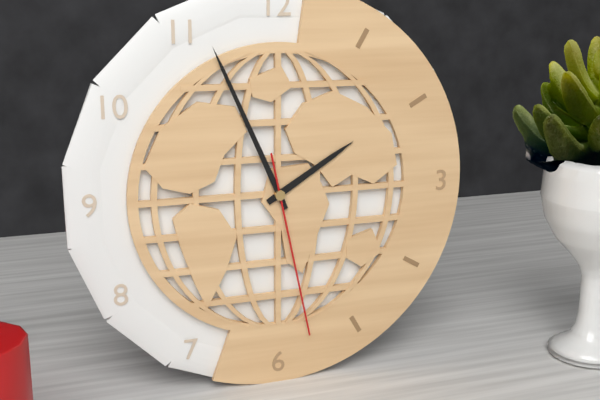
1:56:28
